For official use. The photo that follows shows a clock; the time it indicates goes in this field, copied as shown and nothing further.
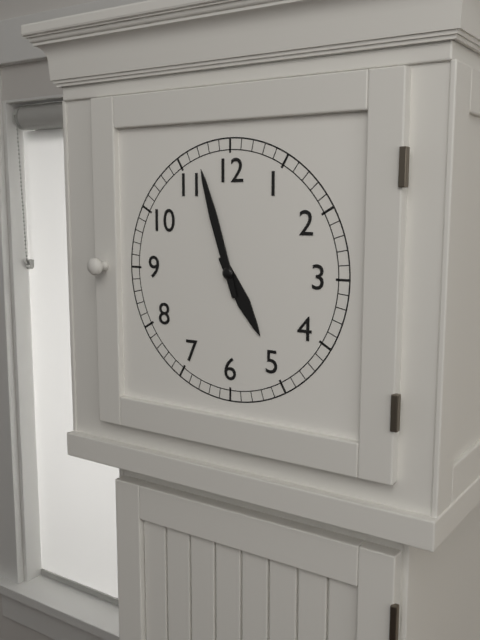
4:57
